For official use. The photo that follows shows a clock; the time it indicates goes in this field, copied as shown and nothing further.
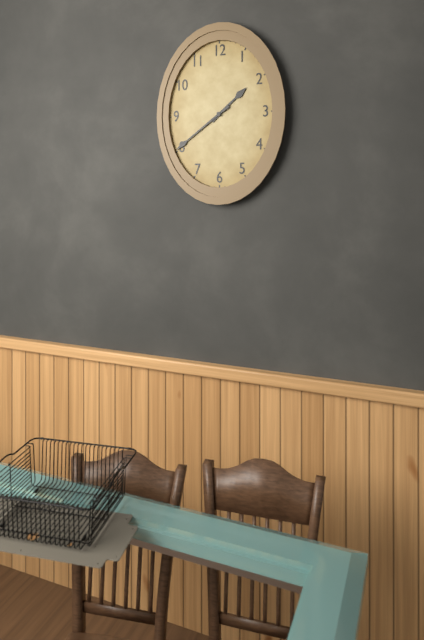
1:39
